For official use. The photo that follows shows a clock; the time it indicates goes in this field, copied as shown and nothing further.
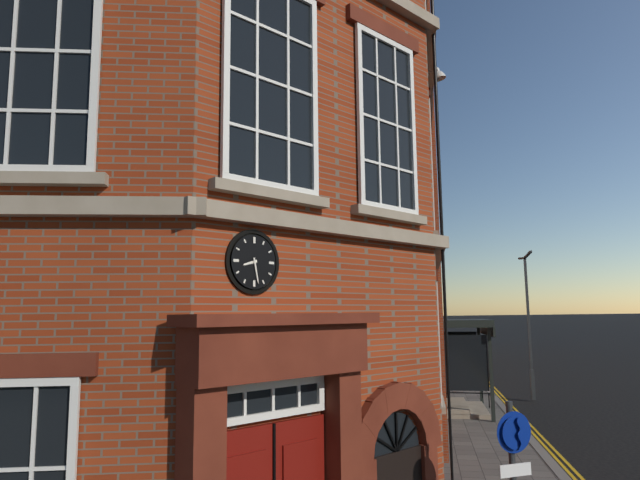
8:28
